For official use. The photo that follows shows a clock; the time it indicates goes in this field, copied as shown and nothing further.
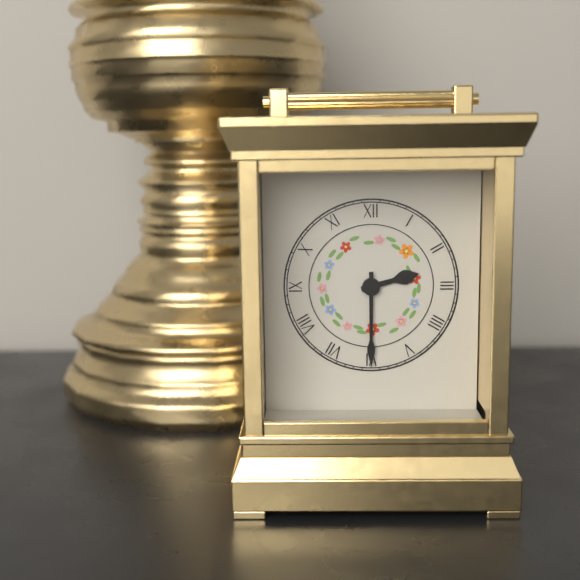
2:30
